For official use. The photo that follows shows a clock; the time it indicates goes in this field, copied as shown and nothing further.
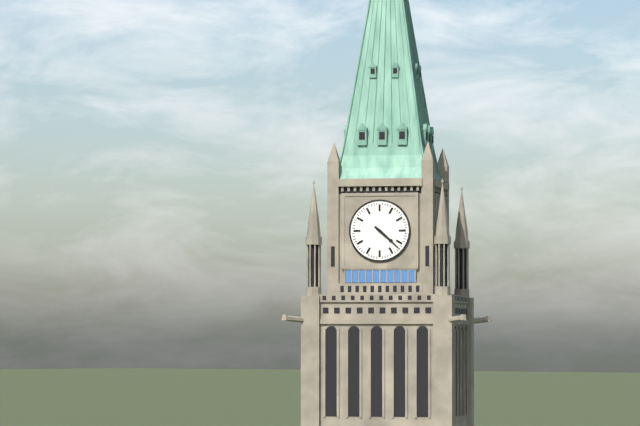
4:22
